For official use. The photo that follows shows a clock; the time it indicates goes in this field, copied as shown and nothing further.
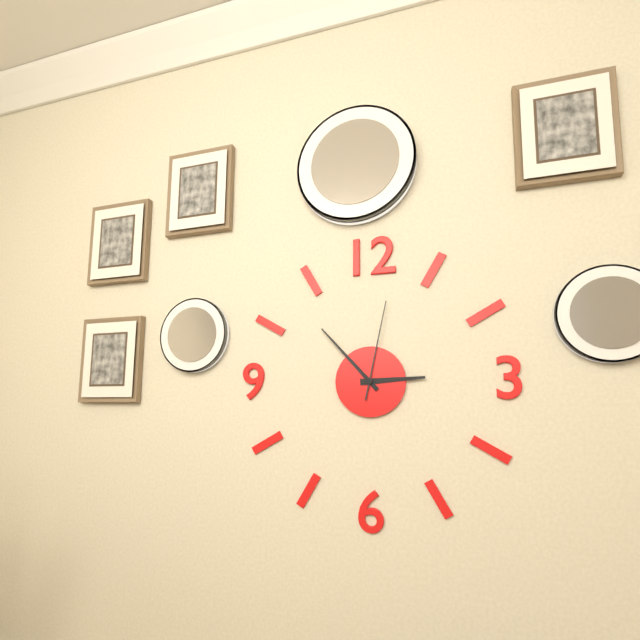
2:53:02
